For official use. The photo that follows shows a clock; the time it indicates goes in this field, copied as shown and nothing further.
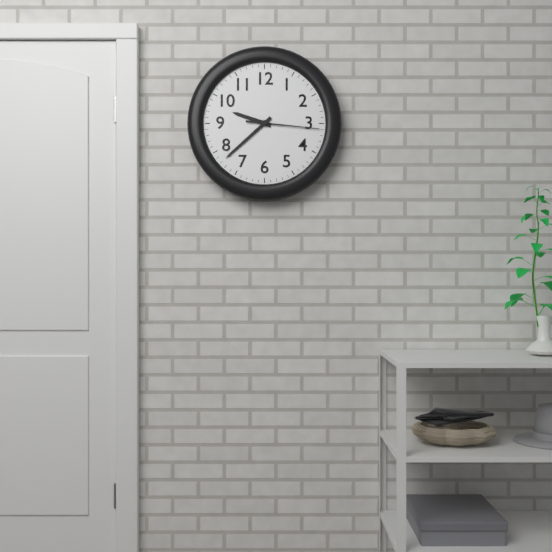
9:38:16
